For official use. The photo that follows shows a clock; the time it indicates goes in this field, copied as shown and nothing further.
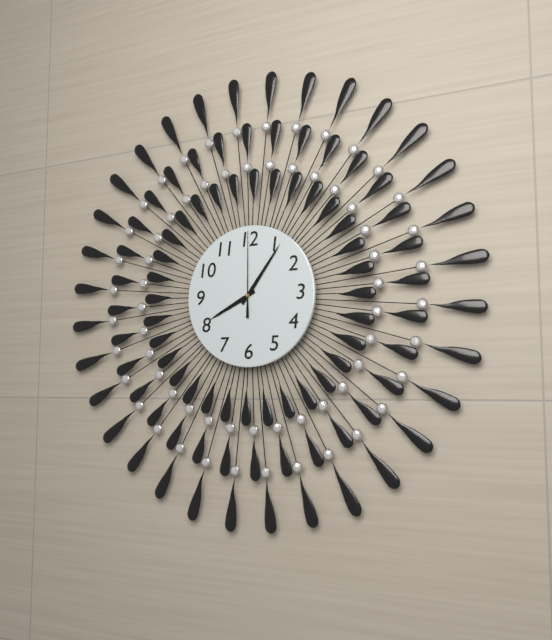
8:06:00
